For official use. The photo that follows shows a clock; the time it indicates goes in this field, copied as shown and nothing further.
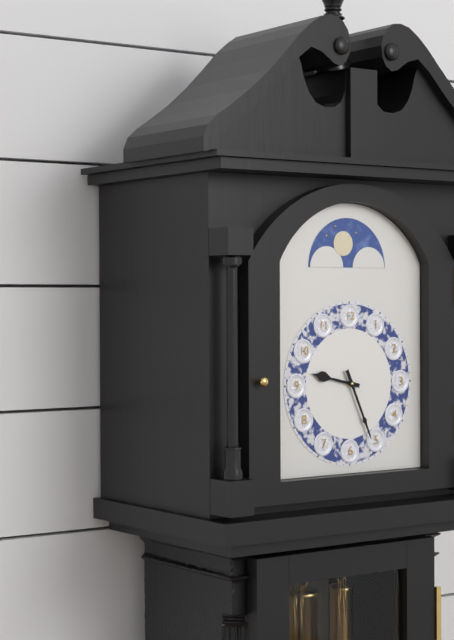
9:26
